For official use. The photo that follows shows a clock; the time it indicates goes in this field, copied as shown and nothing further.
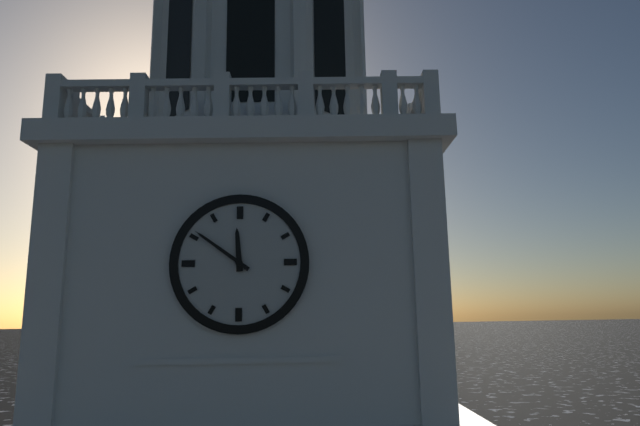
11:51
